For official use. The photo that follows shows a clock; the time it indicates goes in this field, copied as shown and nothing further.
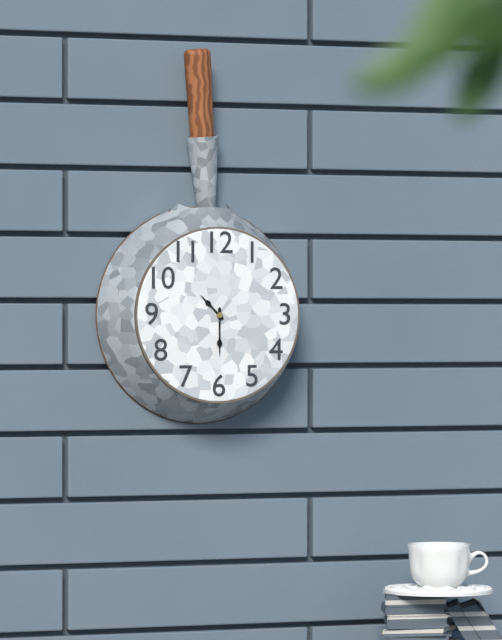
10:30
